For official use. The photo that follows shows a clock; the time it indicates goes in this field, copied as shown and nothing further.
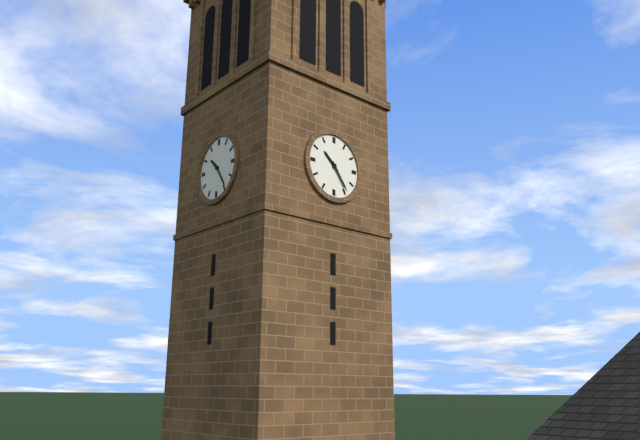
10:24
